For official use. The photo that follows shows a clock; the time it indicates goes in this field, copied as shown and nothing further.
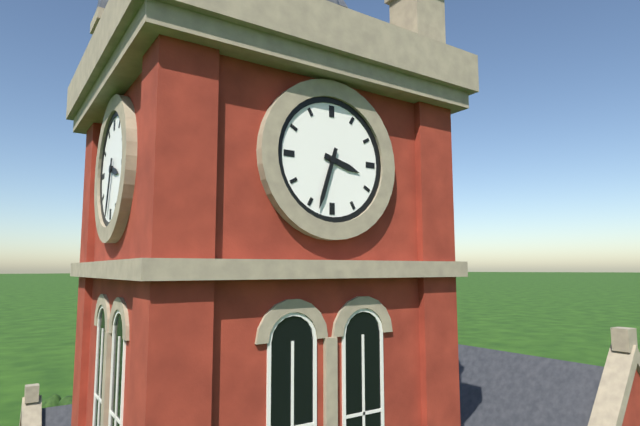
3:33
